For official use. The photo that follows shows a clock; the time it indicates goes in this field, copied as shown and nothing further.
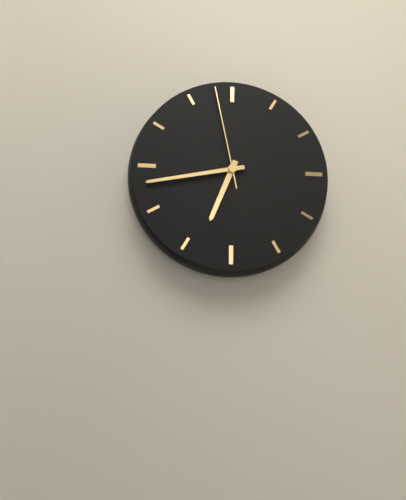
6:43:58
